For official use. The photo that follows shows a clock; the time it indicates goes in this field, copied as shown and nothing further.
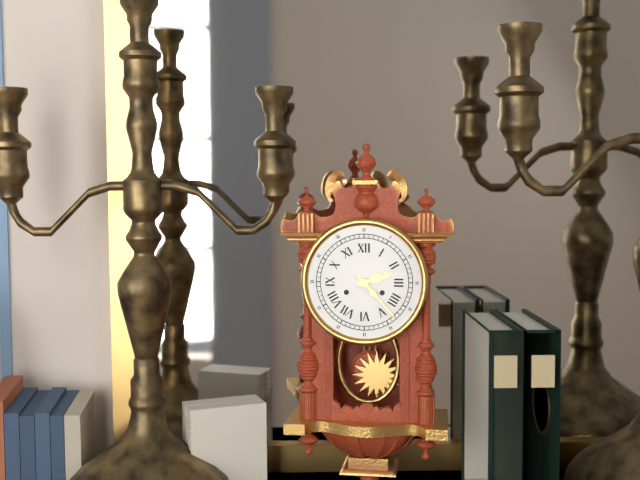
2:23
